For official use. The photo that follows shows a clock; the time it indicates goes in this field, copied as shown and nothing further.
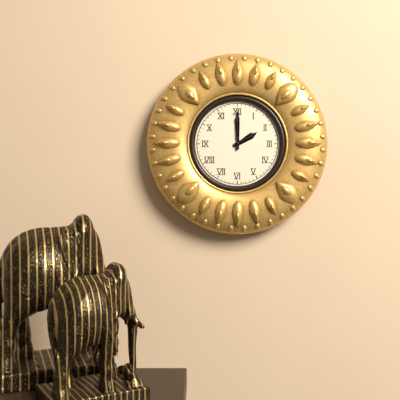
2:00
